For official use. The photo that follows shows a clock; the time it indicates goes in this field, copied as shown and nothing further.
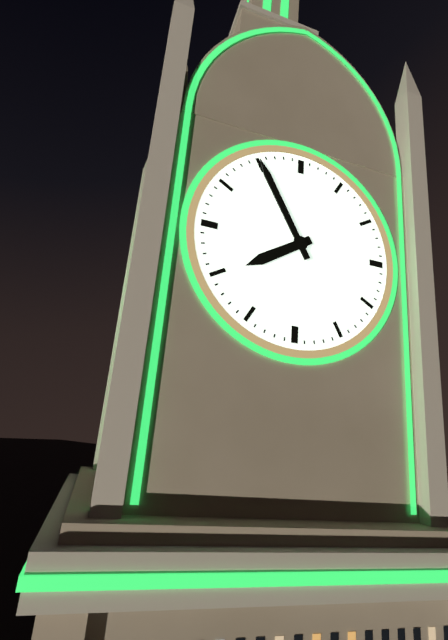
7:55
